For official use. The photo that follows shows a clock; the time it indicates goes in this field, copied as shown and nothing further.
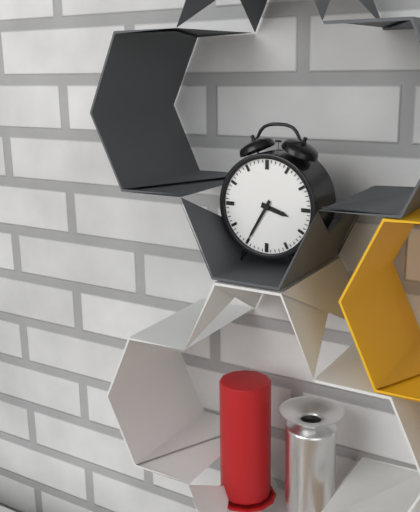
3:35
